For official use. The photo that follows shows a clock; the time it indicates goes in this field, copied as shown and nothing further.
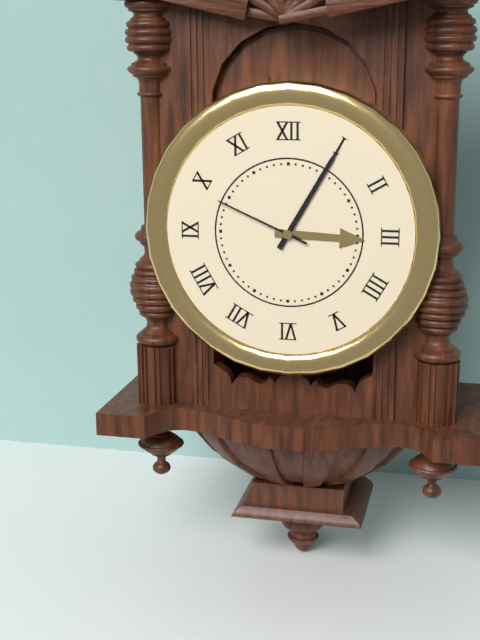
3:05:49
